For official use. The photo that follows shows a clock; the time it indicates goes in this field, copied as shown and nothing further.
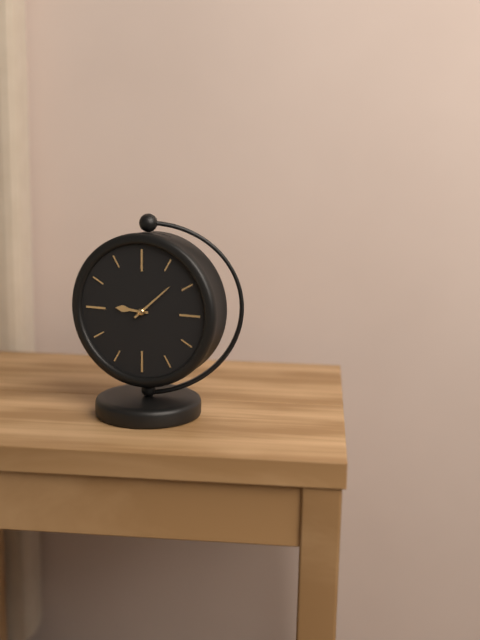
9:08
